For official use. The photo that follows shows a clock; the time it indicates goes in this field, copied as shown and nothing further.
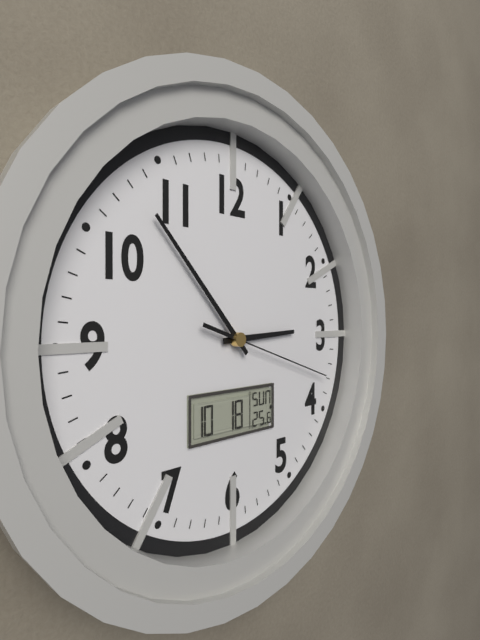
2:53:18
